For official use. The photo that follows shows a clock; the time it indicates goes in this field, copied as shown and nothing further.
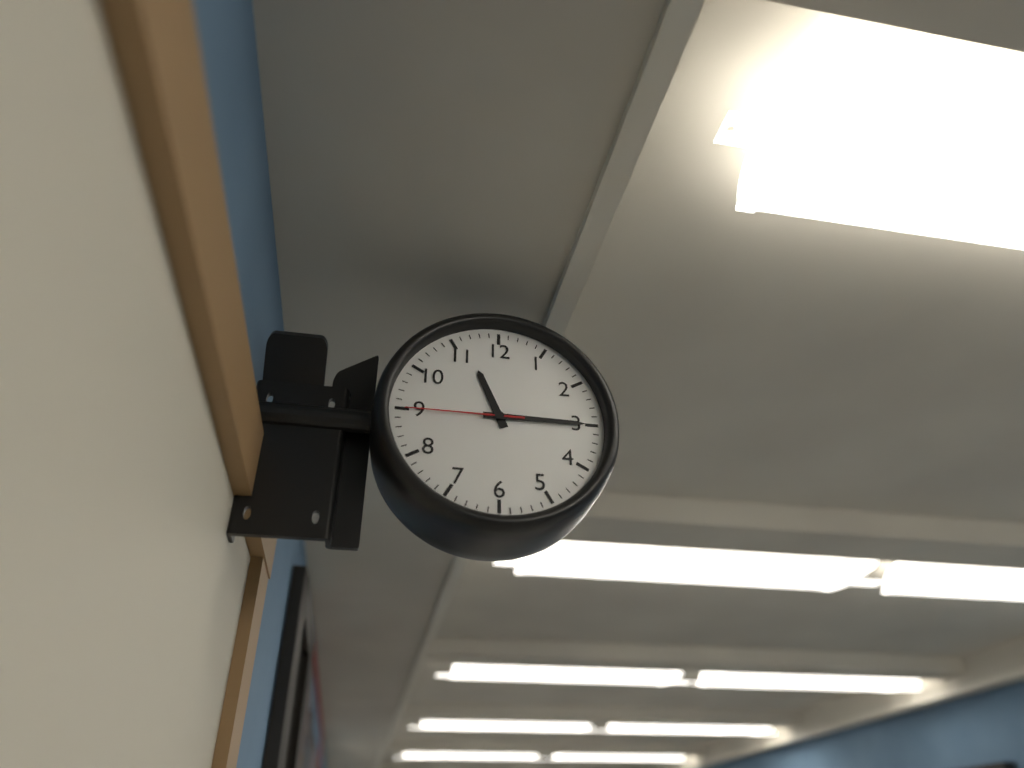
11:15:45
